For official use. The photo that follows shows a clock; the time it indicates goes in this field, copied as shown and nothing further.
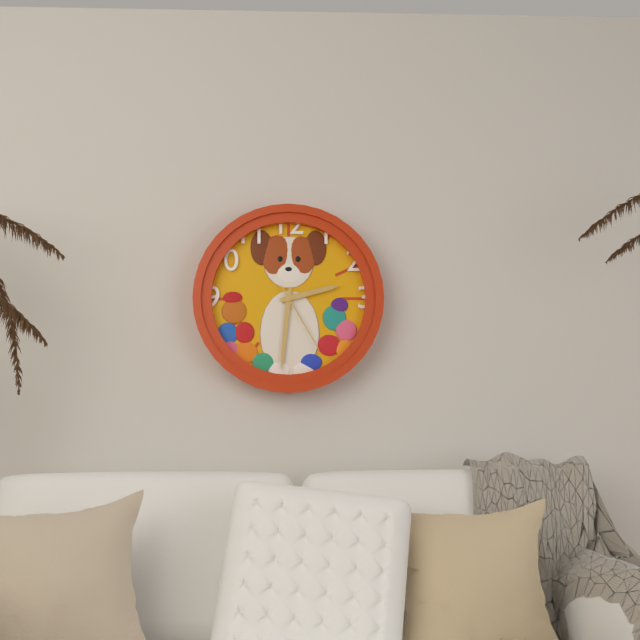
2:31:25
